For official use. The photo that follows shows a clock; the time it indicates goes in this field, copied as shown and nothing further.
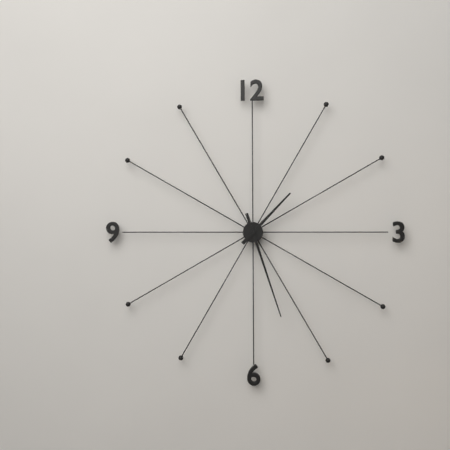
1:27
